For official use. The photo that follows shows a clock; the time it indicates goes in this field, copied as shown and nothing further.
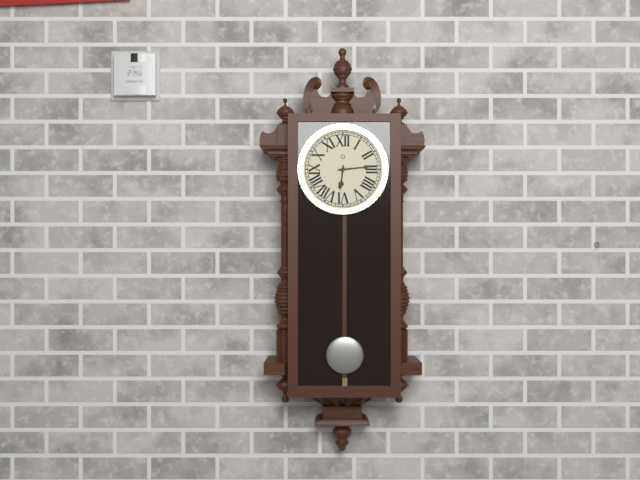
6:14
